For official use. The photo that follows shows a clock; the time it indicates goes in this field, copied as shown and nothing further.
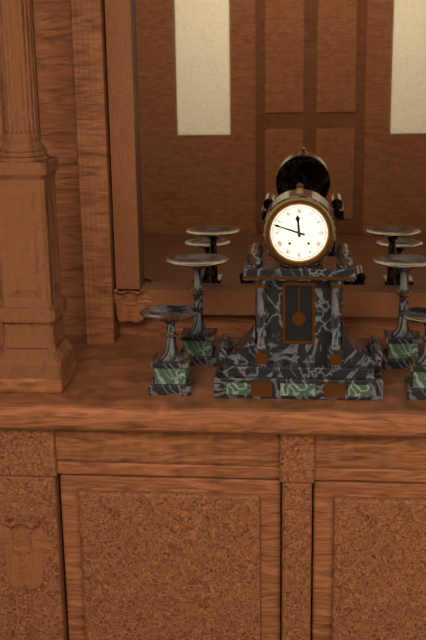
11:48
